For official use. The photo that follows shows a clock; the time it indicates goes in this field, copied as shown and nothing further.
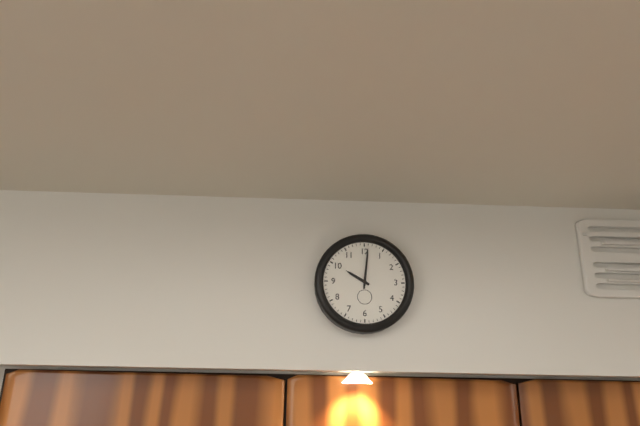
10:01
